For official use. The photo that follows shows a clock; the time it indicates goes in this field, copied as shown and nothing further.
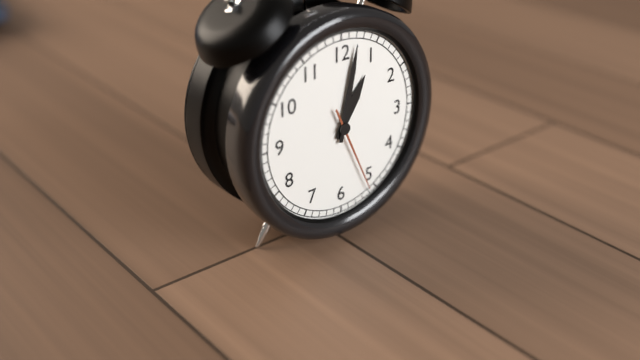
1:02:26
